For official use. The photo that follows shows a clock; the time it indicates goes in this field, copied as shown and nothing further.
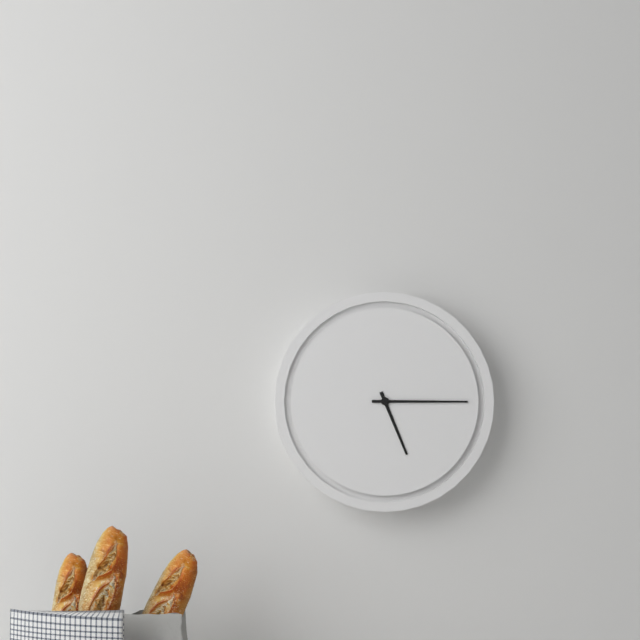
5:15
